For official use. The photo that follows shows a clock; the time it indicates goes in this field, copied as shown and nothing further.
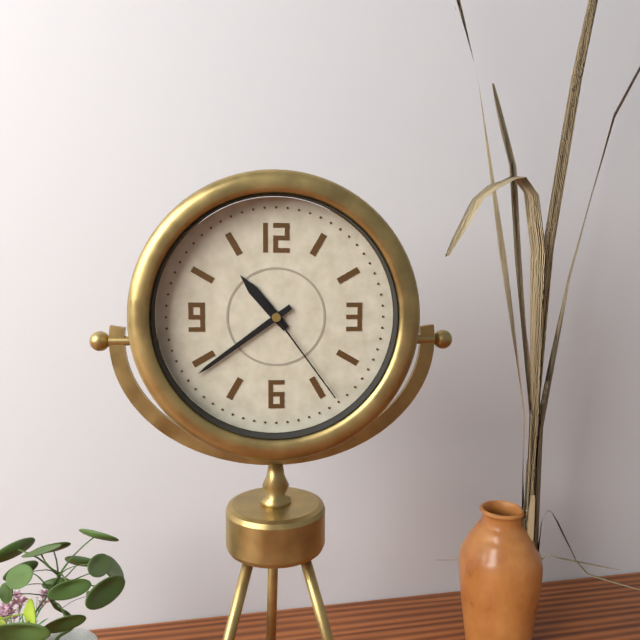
10:39:24
